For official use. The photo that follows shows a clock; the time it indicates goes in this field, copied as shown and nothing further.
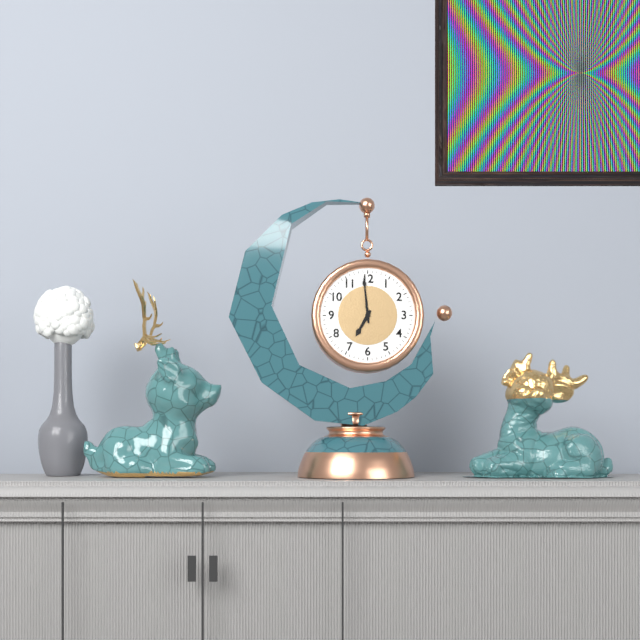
6:59
